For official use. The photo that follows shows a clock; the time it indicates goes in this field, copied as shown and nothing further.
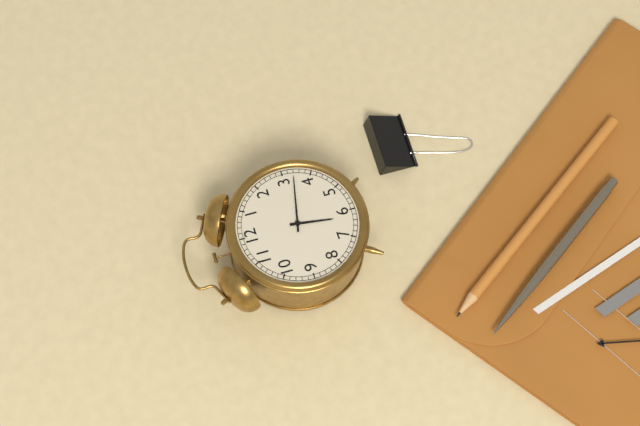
6:17
